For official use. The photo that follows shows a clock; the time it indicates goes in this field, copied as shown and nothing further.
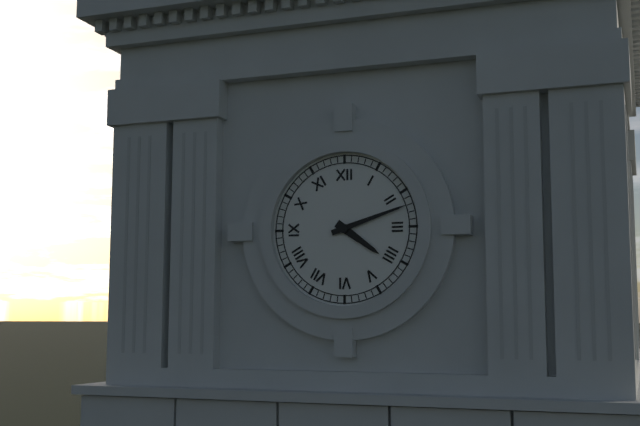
4:12
